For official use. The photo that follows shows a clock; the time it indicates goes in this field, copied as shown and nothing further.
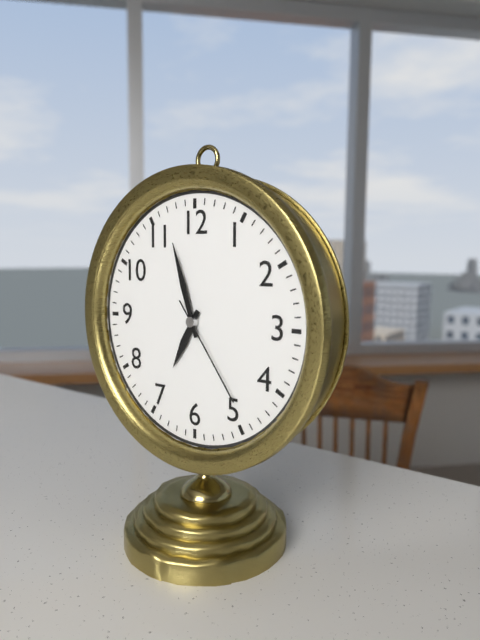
6:57:24
